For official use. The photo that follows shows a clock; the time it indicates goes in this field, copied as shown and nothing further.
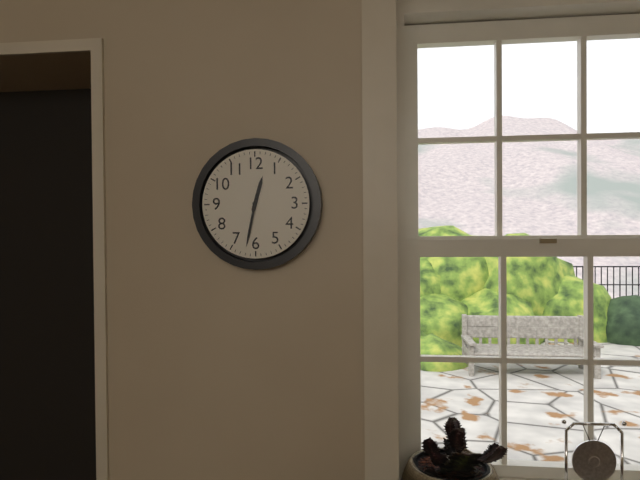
12:32
